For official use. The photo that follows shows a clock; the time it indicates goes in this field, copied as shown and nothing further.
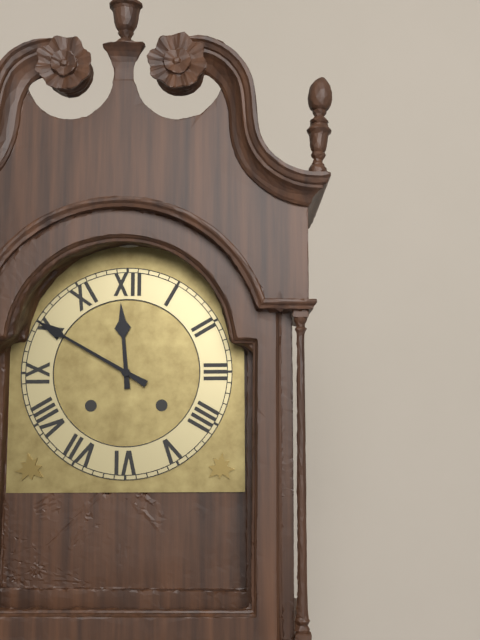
11:50
